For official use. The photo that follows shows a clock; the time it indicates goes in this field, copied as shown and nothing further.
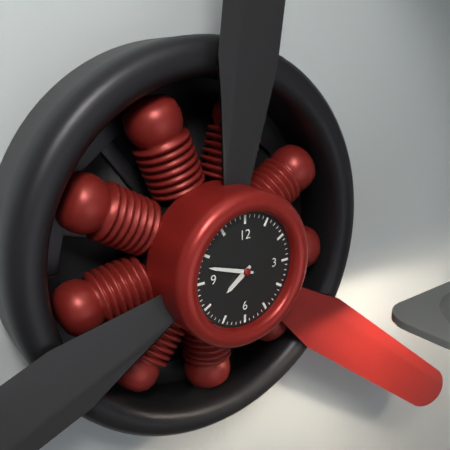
7:48
